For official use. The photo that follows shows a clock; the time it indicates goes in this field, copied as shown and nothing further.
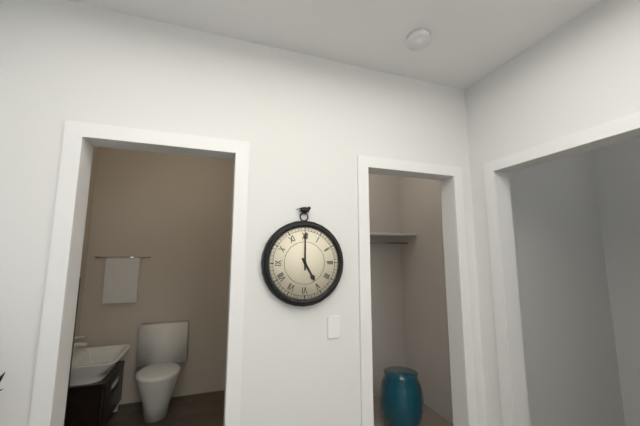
5:00
